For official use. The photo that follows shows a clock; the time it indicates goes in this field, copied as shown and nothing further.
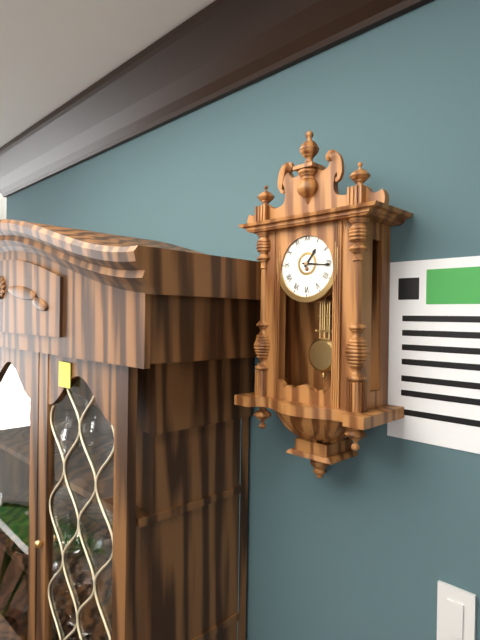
1:16
